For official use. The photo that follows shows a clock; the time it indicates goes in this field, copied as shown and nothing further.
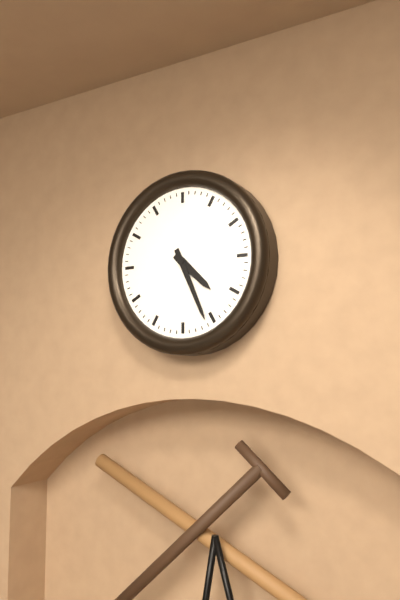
4:26
